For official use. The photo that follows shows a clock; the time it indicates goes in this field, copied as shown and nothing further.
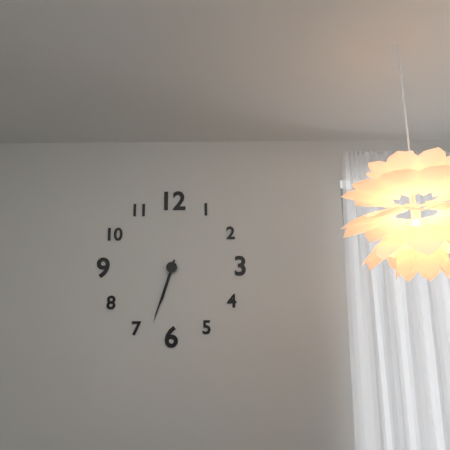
6:33
